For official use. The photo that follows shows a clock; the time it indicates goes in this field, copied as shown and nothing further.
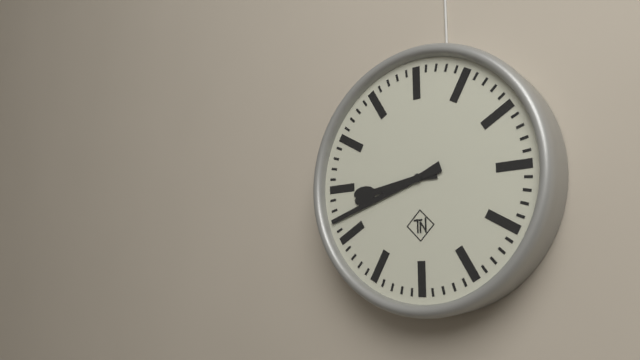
8:42
